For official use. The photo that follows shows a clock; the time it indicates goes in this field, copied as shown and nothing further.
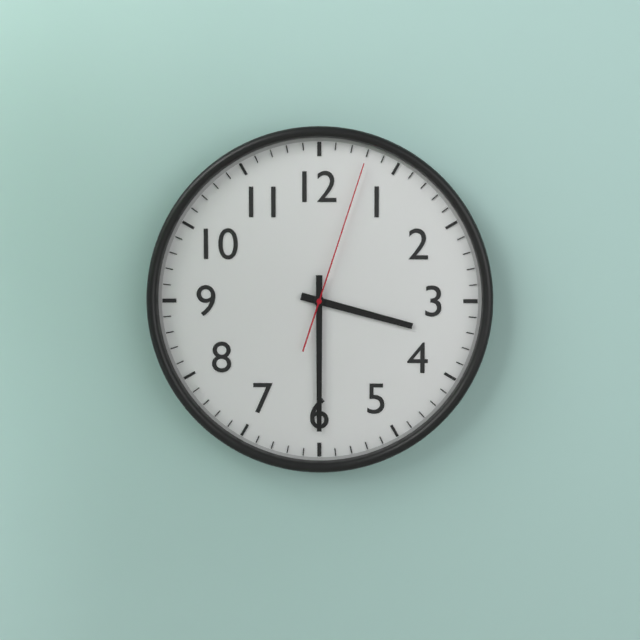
3:30:03
